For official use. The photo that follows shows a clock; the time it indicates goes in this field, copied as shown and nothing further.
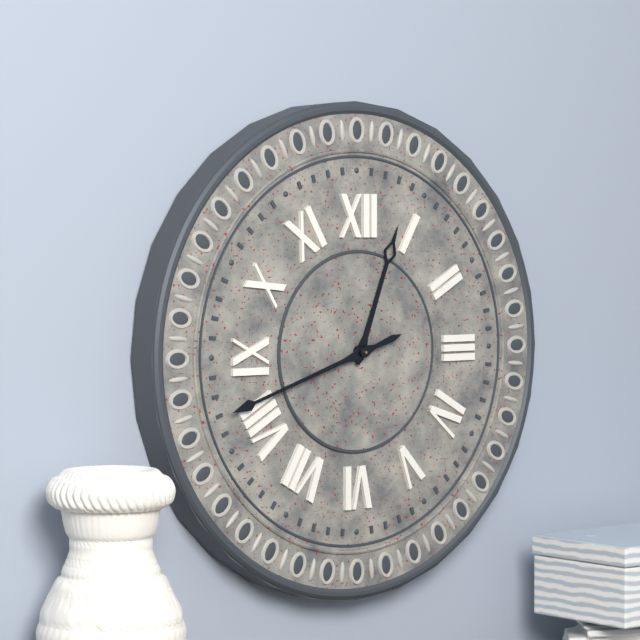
12:42
